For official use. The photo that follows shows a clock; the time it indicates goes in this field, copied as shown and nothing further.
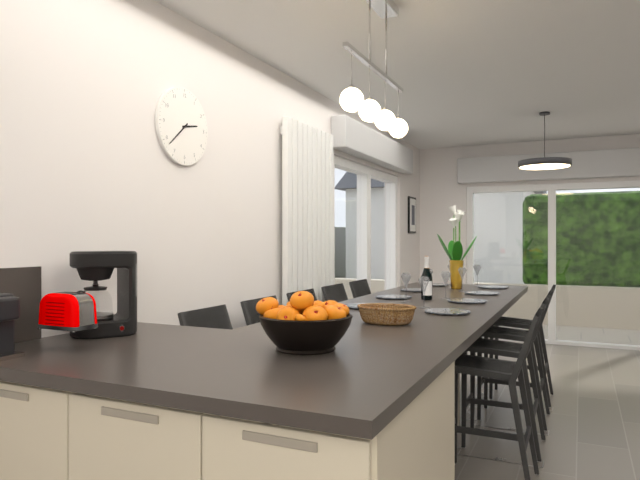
2:38
